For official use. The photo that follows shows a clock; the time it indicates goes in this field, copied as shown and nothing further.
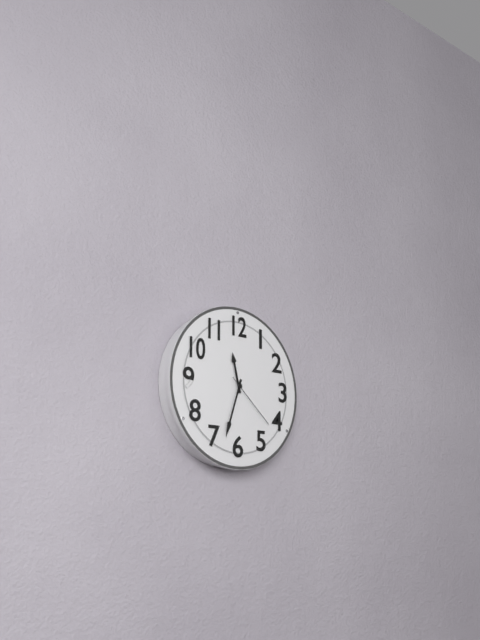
11:33:22
